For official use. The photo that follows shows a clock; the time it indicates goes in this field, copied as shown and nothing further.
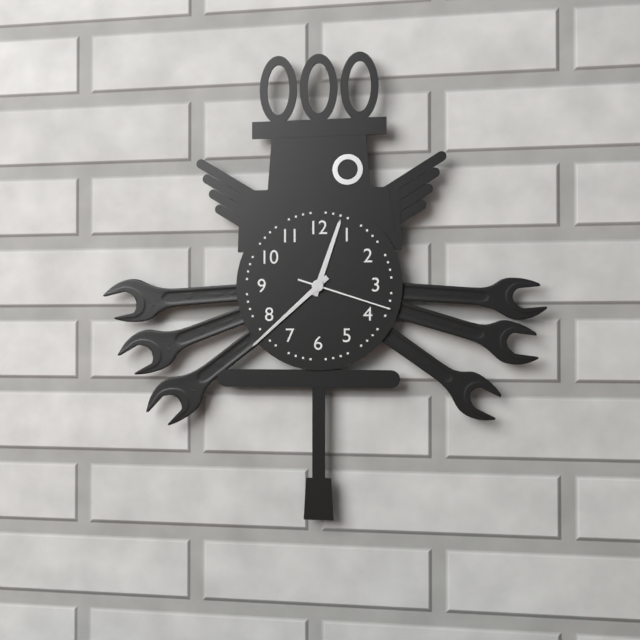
12:38:18
